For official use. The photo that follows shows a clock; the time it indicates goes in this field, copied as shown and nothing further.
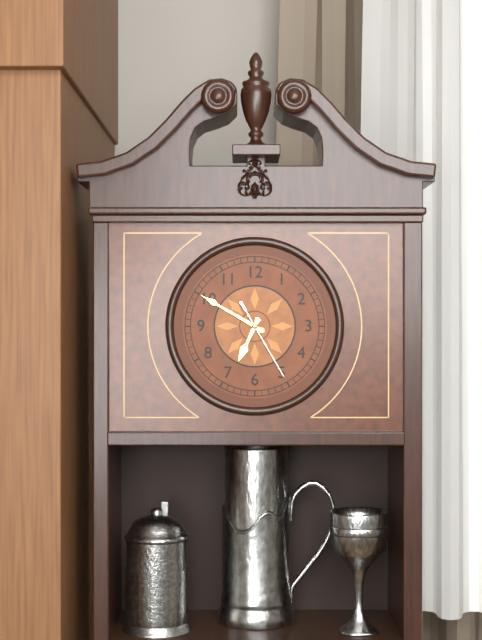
6:50:25
